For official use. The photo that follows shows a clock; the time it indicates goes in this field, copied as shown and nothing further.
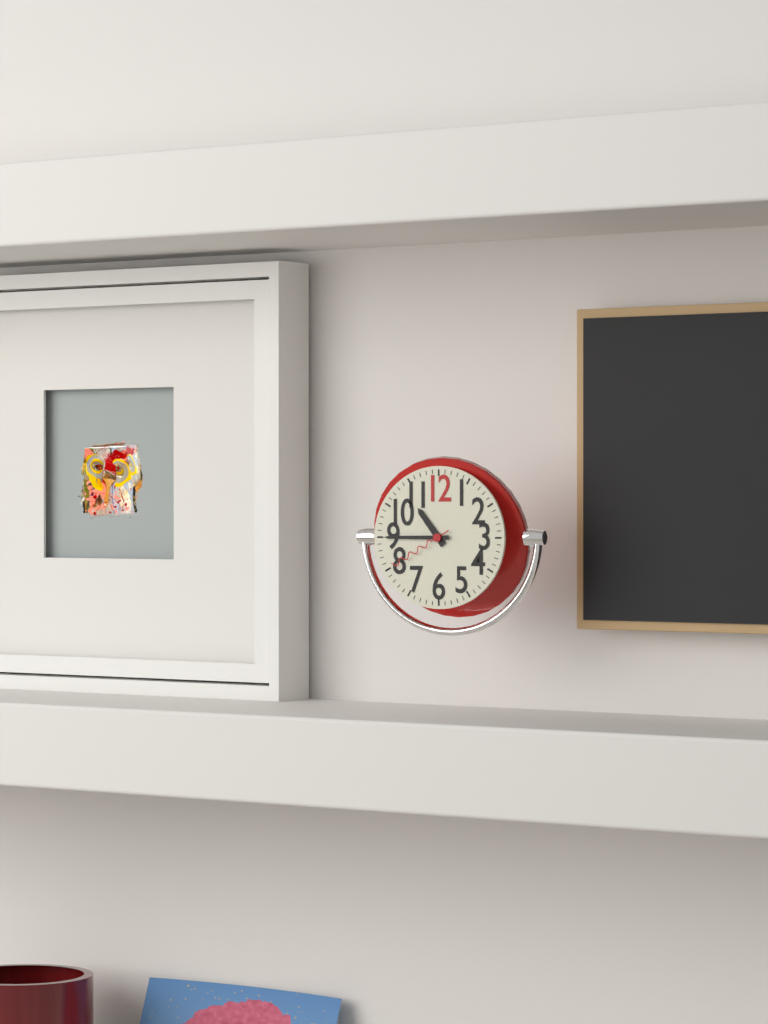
10:45:40
